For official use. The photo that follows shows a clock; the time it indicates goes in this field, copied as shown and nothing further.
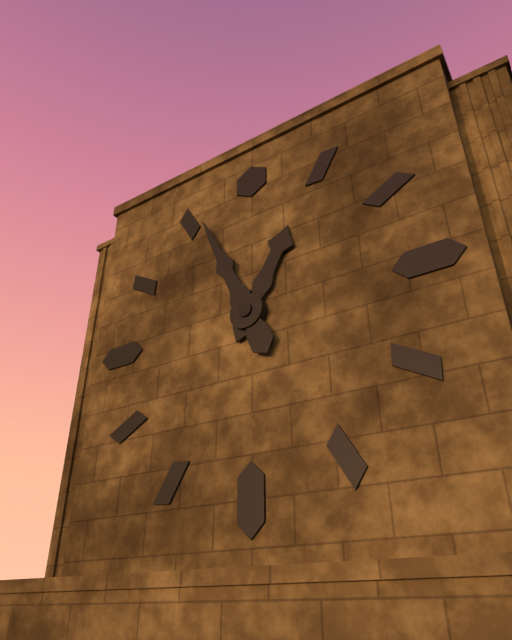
12:56
